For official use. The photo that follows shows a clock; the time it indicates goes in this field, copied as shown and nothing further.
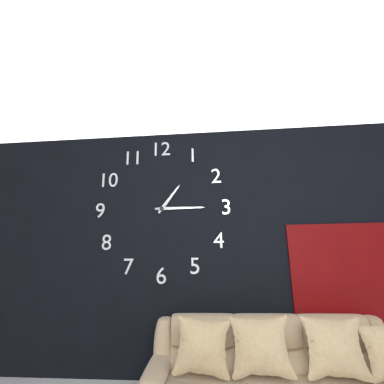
1:15
